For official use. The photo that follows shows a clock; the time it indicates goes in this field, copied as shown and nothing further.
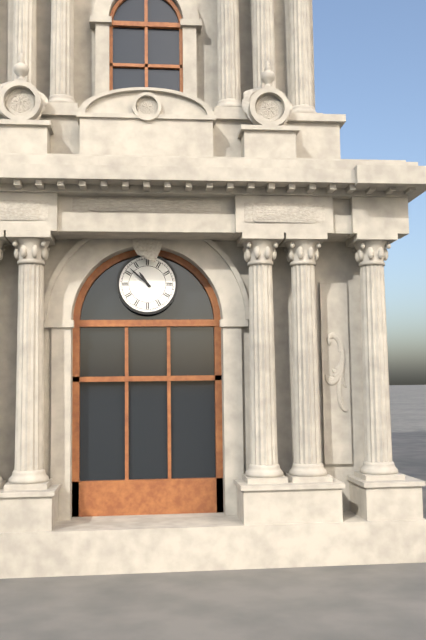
10:52
